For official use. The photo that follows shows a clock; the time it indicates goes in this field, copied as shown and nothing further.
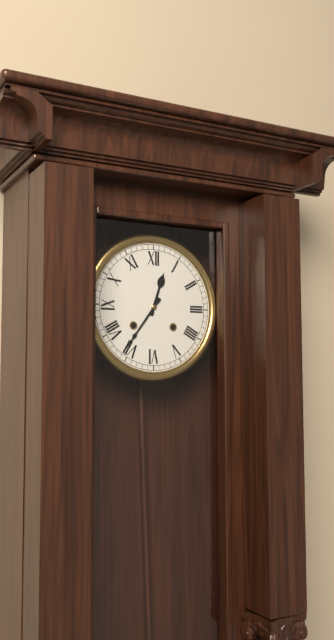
12:36
